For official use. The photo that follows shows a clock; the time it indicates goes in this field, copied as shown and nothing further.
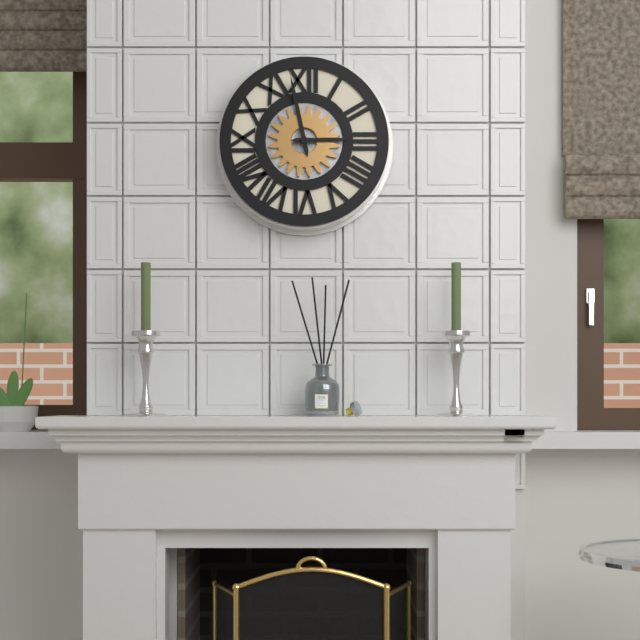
2:58
